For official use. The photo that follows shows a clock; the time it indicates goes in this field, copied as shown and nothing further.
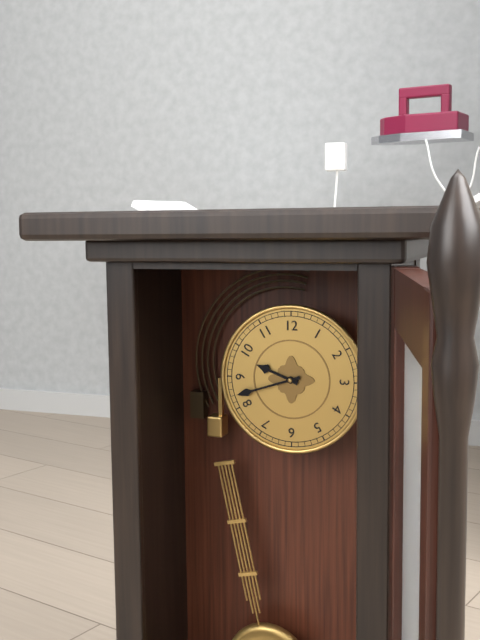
9:42
